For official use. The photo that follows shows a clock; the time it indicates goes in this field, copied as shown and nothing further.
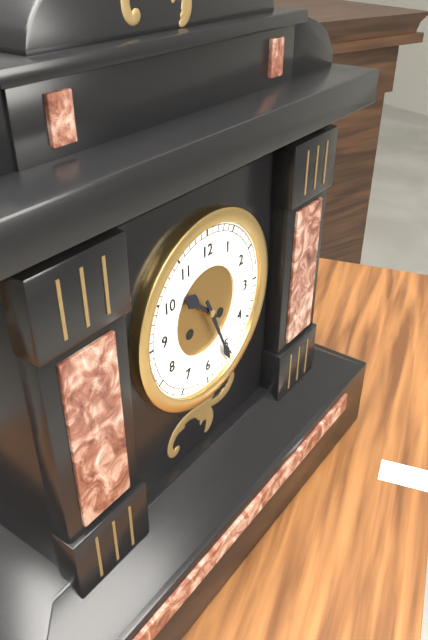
10:26
